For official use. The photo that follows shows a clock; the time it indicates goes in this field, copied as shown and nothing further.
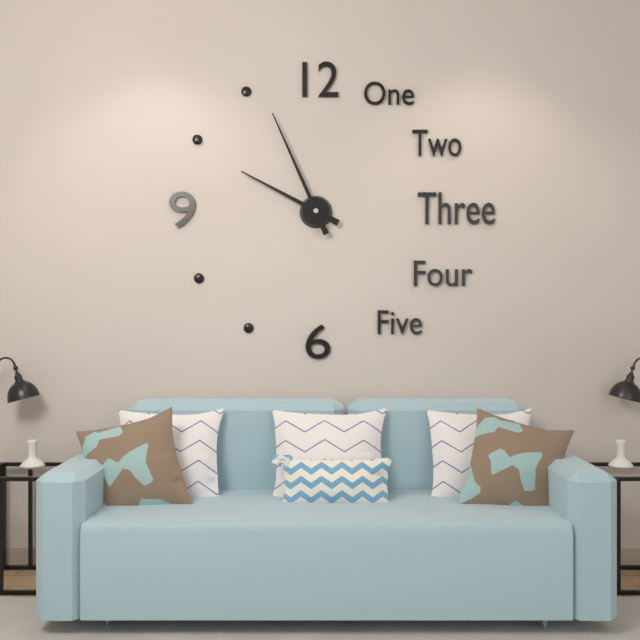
9:56
